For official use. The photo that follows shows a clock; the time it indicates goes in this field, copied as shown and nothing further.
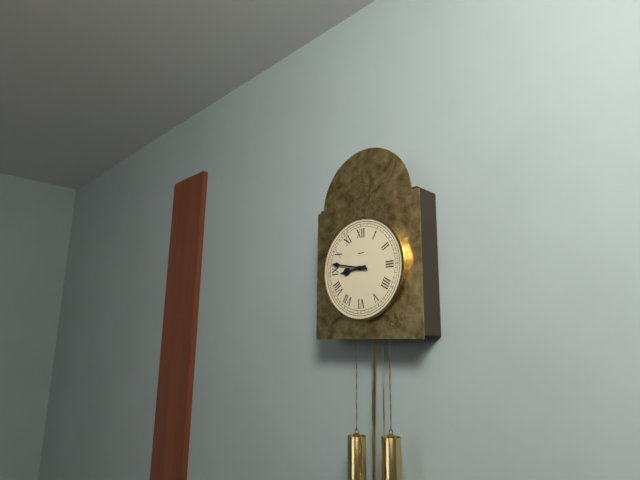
8:47
